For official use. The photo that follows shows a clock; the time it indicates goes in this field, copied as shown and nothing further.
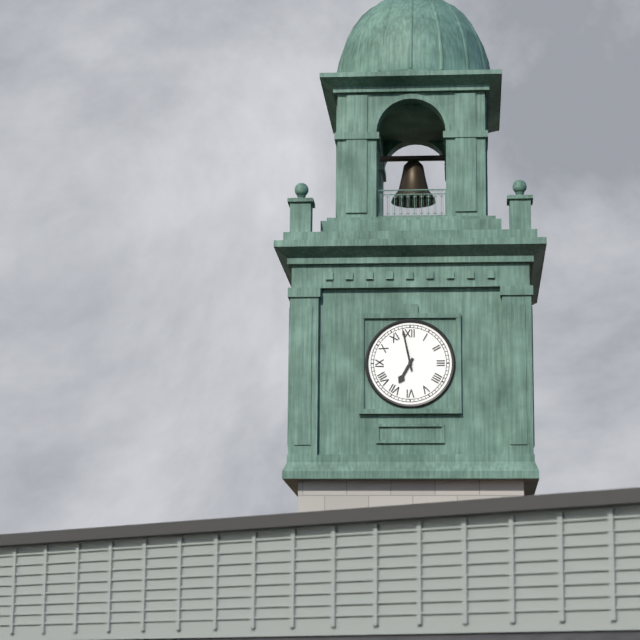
6:58
